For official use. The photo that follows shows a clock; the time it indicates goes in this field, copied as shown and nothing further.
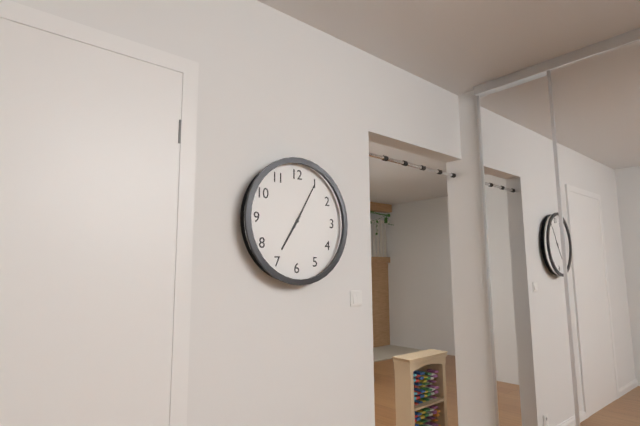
7:05
